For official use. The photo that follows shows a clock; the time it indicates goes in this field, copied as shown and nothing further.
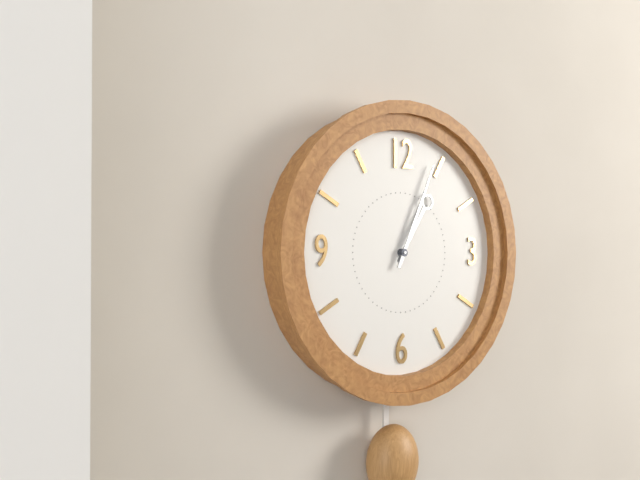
1:04
